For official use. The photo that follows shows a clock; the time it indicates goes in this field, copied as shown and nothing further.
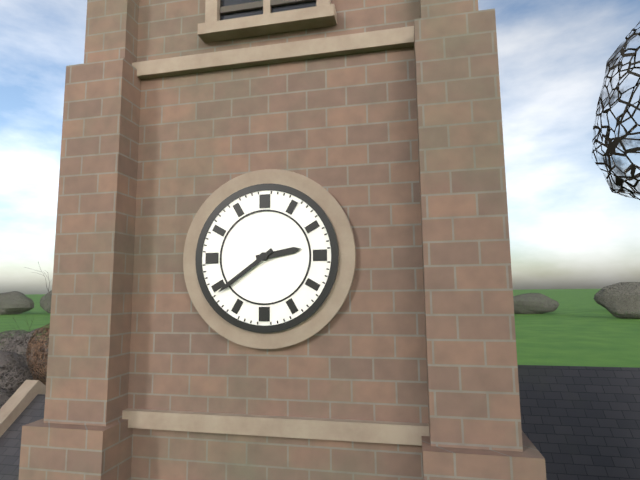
2:39
